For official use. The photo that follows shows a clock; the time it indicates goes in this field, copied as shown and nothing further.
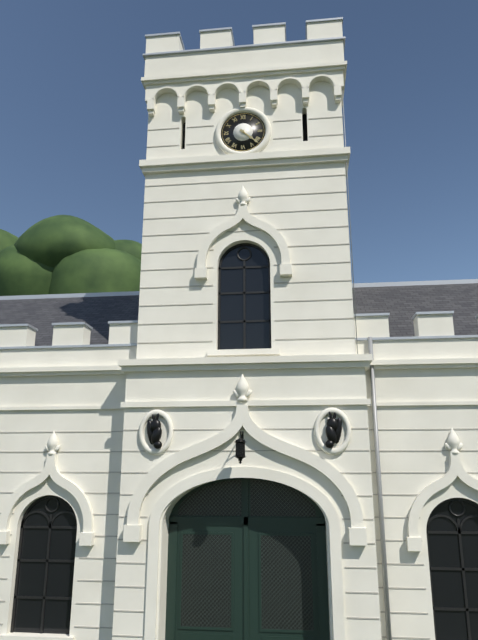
4:22
